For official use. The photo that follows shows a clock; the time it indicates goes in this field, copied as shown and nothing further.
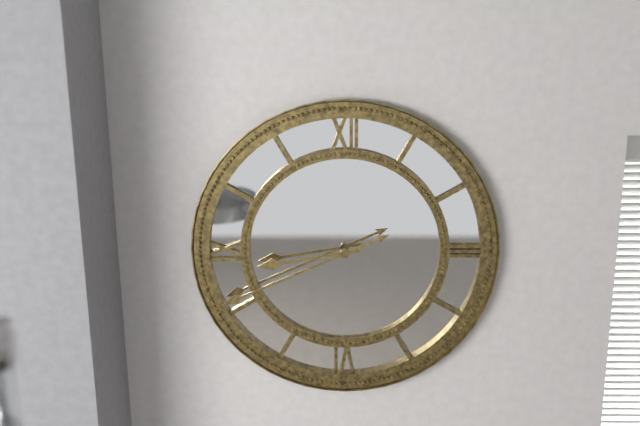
8:41
